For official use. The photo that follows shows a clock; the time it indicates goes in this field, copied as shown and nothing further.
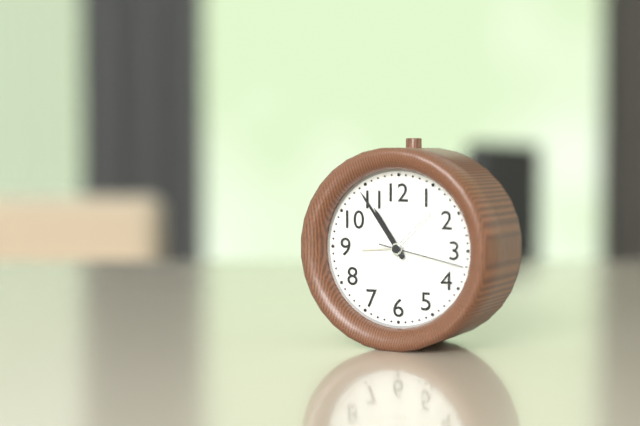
10:54:17
